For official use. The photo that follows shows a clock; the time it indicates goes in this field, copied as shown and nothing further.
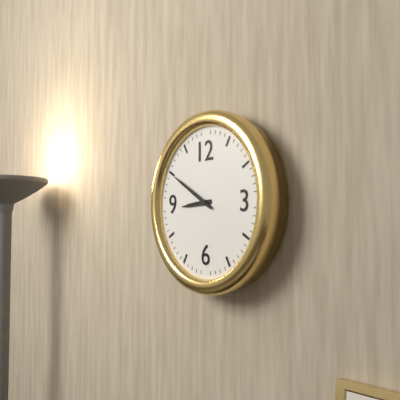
8:50
